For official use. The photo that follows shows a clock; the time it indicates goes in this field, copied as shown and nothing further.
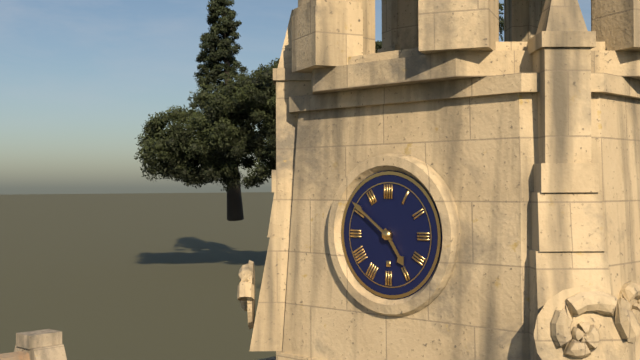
4:51
